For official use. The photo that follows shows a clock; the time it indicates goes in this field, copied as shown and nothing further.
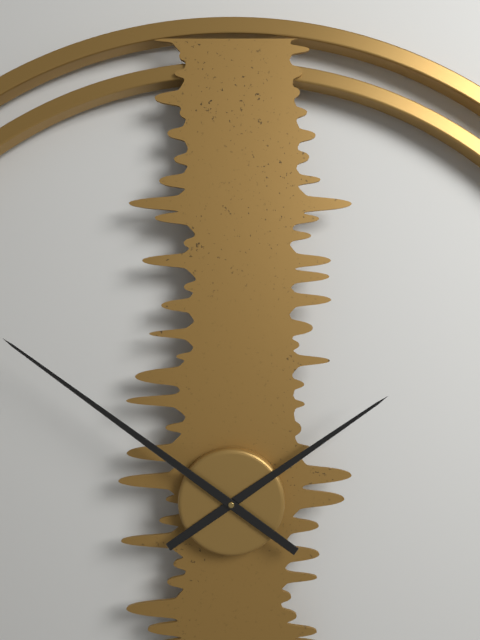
1:51
